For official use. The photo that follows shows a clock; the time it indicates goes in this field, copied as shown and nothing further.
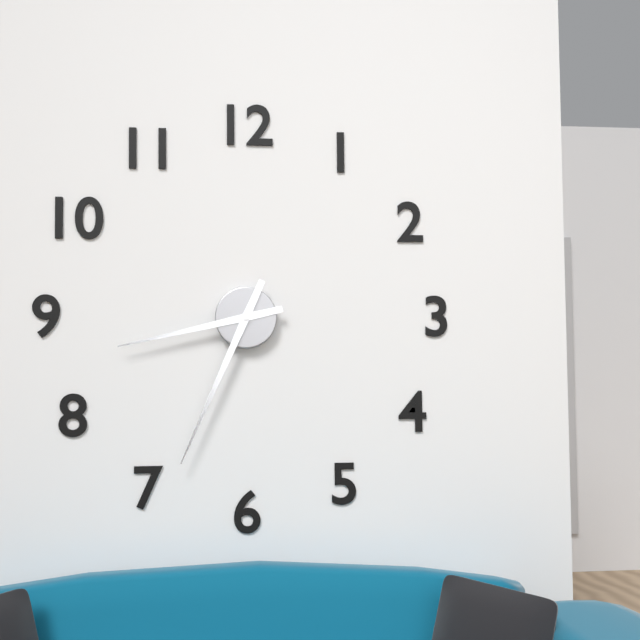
8:34
